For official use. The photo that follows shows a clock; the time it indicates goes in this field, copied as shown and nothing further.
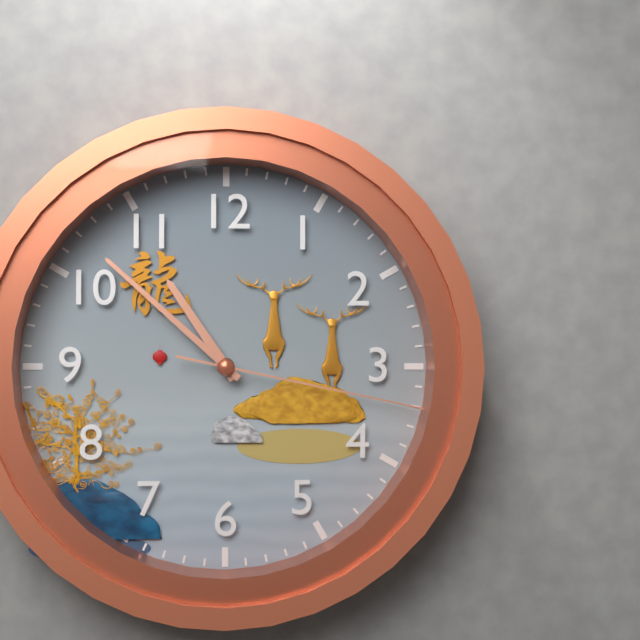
10:52:17
